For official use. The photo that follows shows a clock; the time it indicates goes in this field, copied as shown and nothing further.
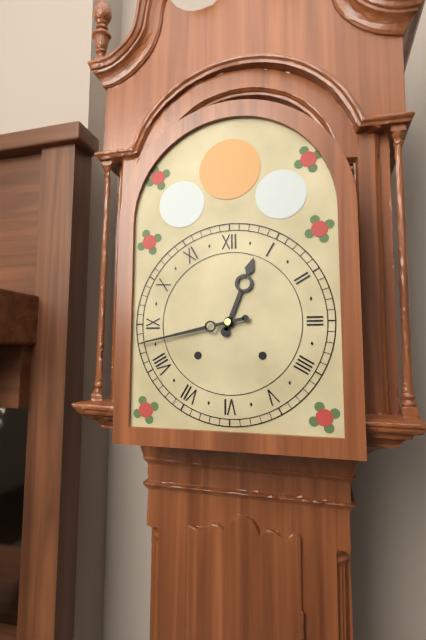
12:43
